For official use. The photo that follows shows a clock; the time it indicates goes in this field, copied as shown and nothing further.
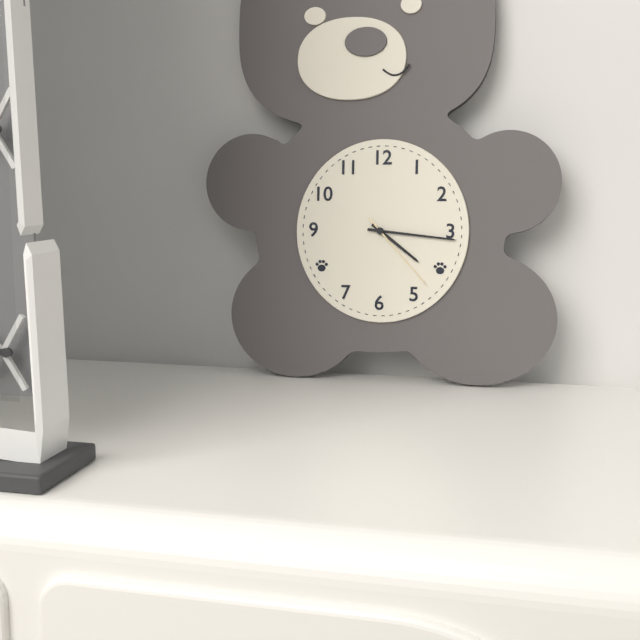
4:16:23
